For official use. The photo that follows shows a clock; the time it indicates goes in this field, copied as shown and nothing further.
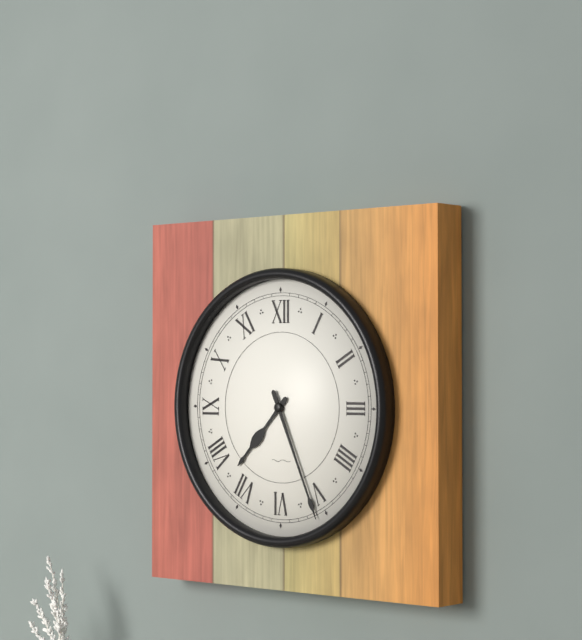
7:26
